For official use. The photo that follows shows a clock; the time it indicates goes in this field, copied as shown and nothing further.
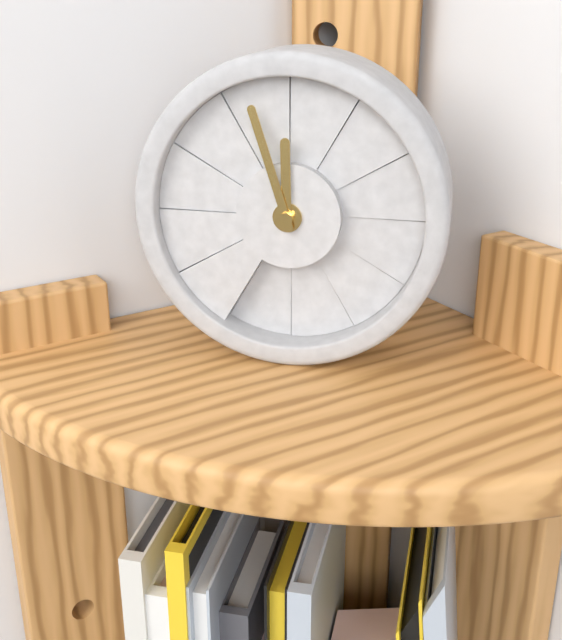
11:57
